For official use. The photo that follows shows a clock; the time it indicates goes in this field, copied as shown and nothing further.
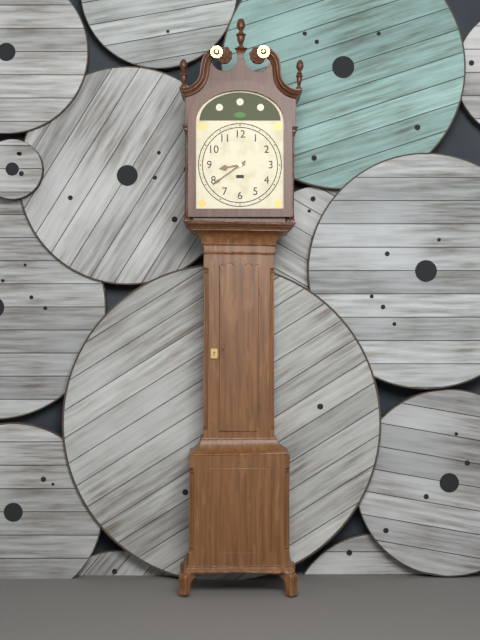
8:39
